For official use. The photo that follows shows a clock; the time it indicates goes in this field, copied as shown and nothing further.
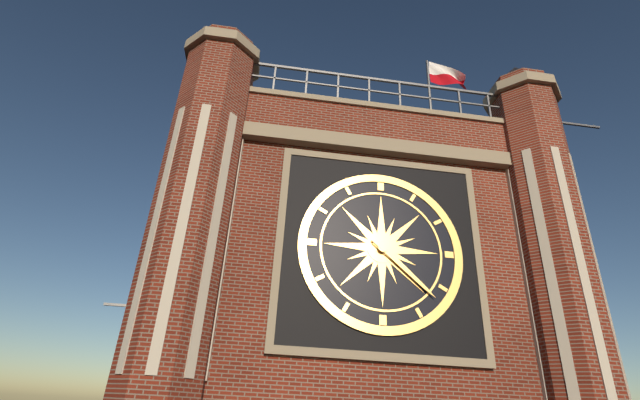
4:22
